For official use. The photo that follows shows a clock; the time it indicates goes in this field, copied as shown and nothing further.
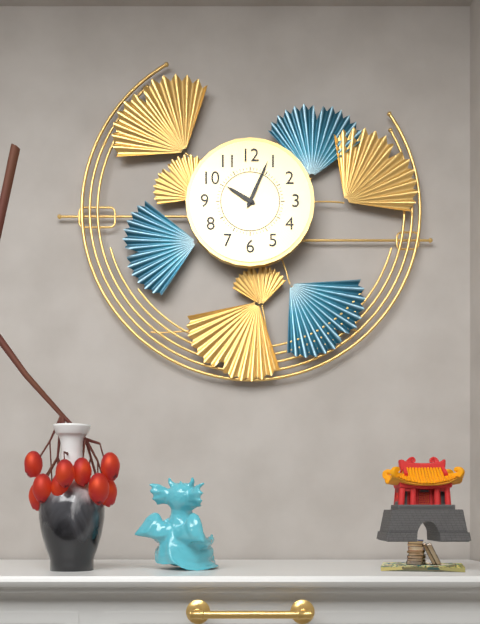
10:04
